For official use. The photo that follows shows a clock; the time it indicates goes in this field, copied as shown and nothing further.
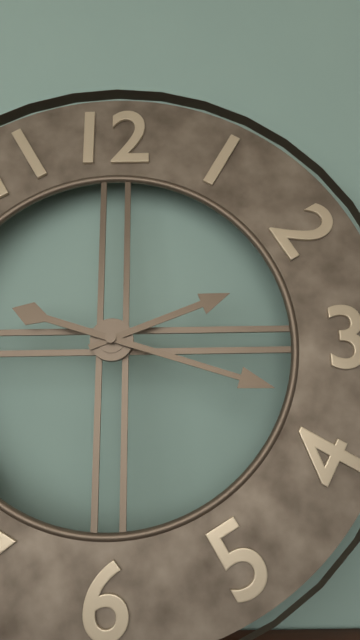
2:18
